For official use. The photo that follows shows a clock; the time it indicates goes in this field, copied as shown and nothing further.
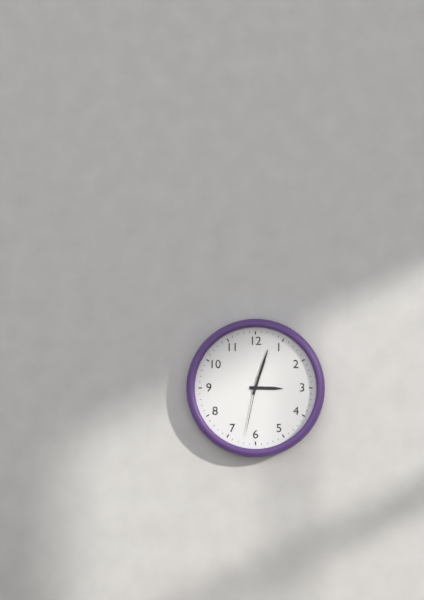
3:03:32
